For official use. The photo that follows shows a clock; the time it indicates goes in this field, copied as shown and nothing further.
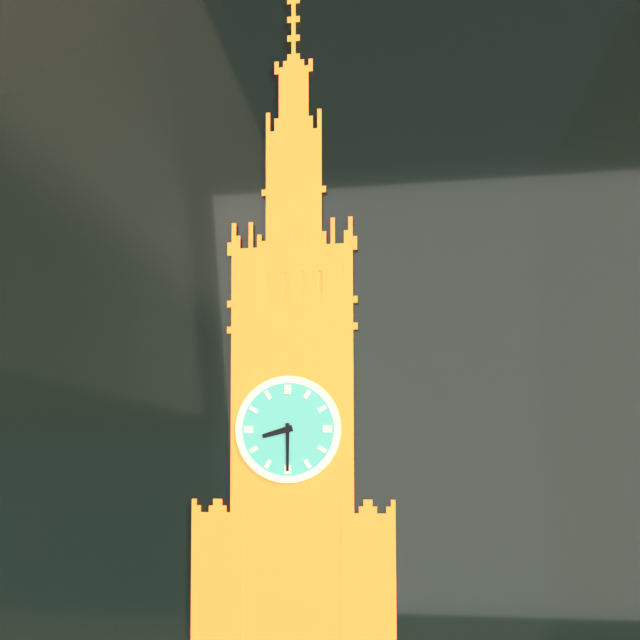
8:30
